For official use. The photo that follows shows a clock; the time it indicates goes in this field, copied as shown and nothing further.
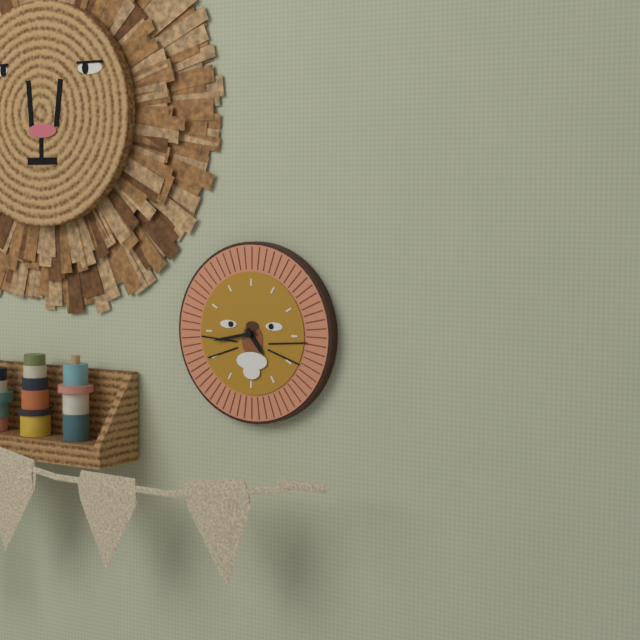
4:43
